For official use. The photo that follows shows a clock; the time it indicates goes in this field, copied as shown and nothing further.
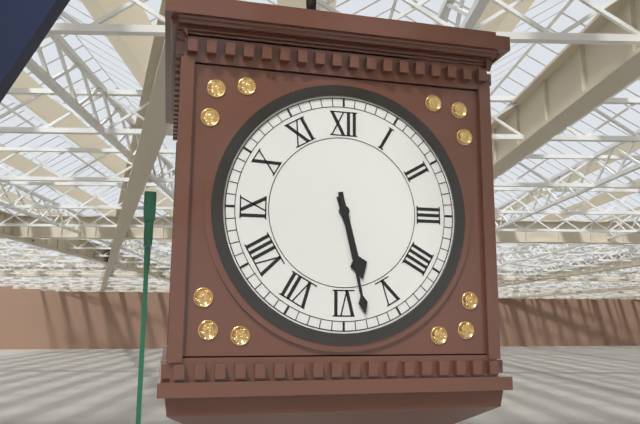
5:28
